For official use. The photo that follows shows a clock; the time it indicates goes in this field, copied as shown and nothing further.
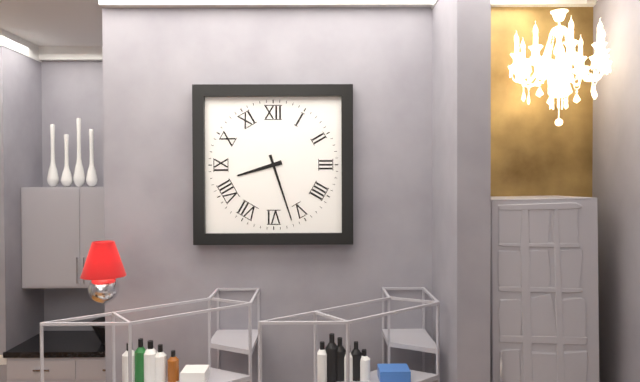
8:27
